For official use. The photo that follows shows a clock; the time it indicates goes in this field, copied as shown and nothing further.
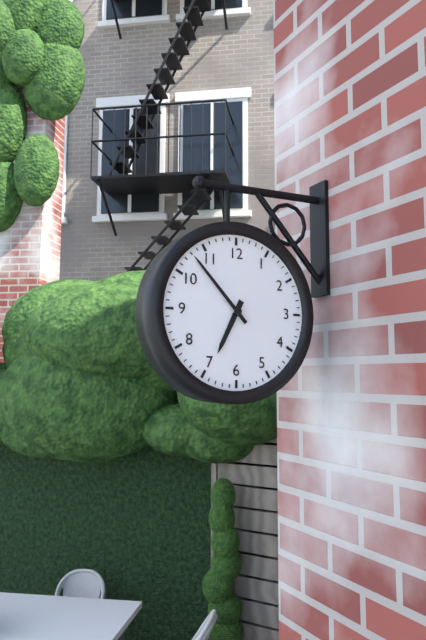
6:53
